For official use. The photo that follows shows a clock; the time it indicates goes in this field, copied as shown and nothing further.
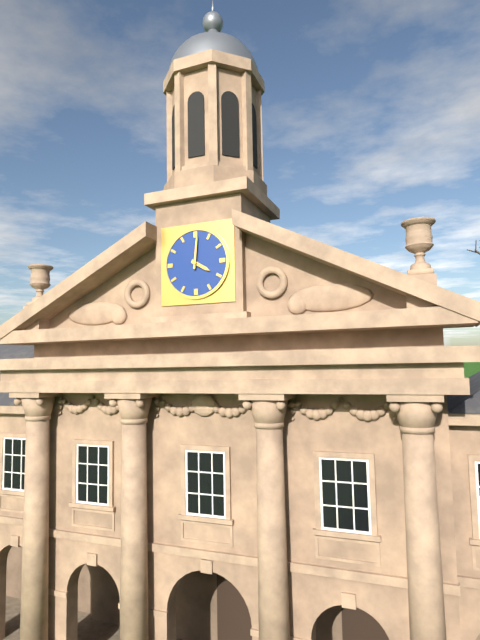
4:01
